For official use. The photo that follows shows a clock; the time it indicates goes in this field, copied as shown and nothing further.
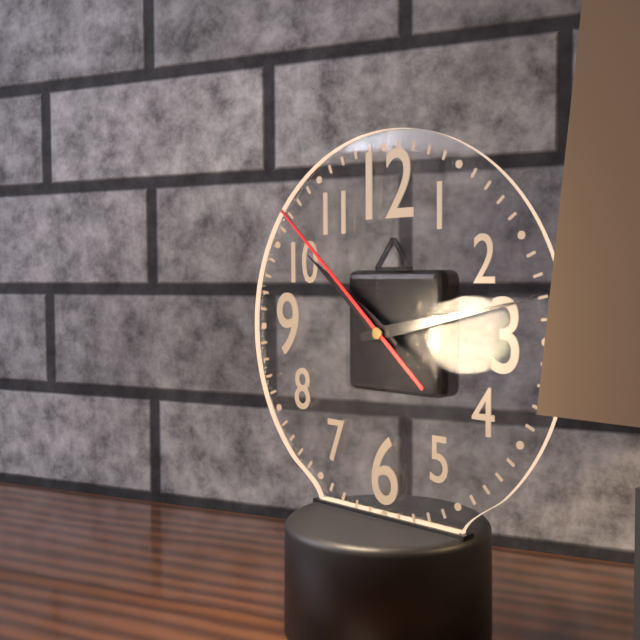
10:13:52
